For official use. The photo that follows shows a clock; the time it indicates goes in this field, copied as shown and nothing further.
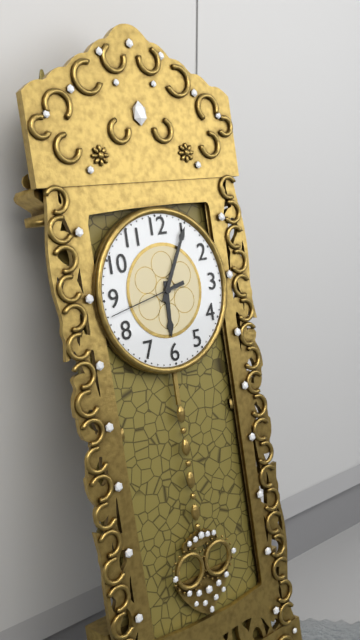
6:05:43
